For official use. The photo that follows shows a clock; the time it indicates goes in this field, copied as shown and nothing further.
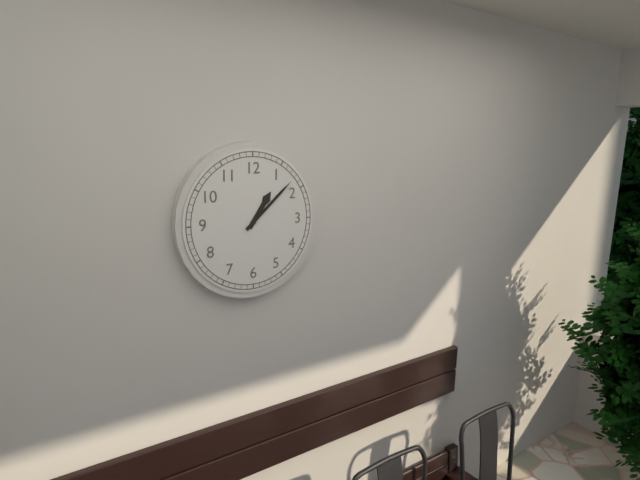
1:08
